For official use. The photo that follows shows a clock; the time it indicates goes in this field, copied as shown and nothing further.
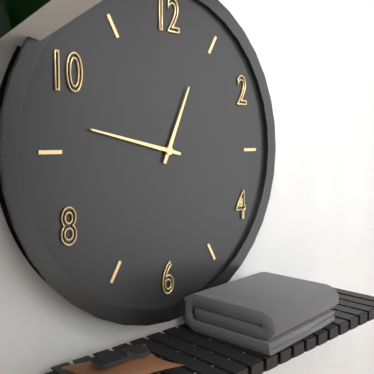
12:47
